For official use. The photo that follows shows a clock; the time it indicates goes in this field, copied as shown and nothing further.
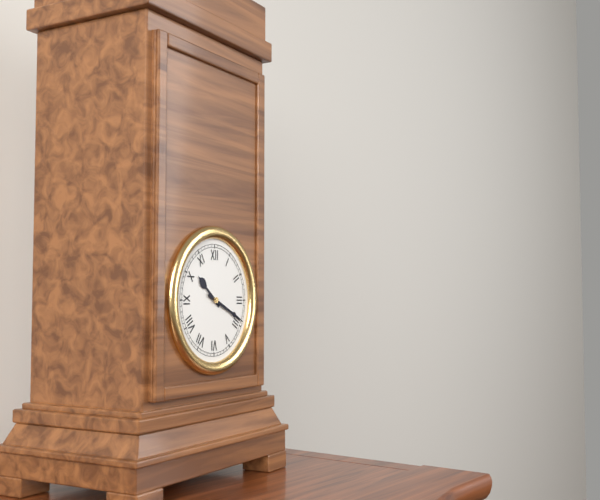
10:19
